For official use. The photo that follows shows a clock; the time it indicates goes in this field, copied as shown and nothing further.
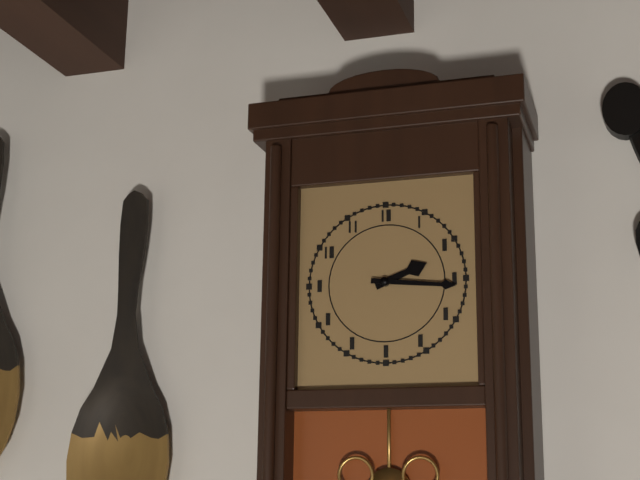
2:16
